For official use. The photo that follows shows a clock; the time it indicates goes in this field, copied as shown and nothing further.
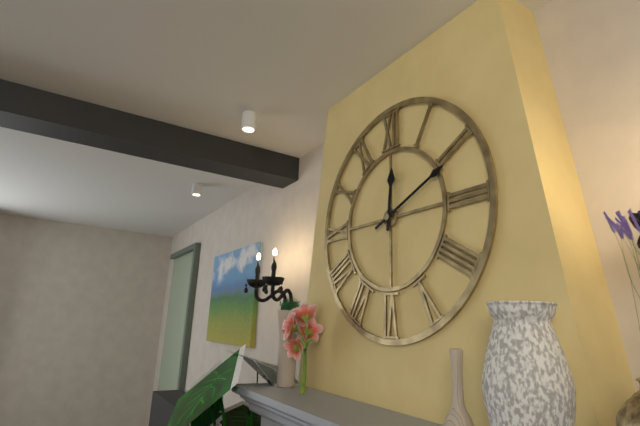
12:11
